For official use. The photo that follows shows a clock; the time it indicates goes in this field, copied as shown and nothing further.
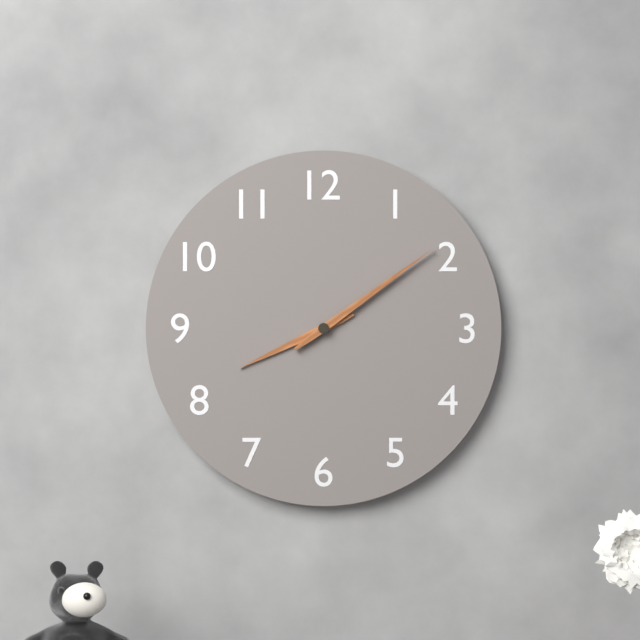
8:09
